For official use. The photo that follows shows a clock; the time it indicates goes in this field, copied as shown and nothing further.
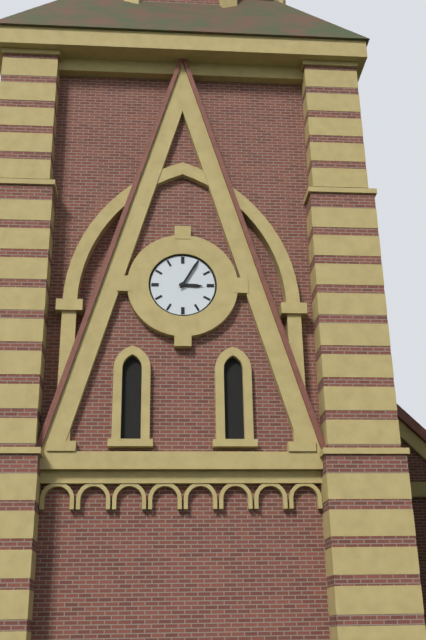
3:05
